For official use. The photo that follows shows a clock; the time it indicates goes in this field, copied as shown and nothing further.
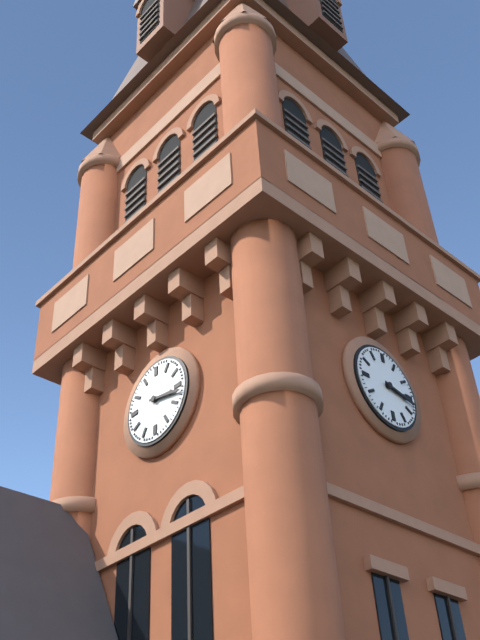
3:17
